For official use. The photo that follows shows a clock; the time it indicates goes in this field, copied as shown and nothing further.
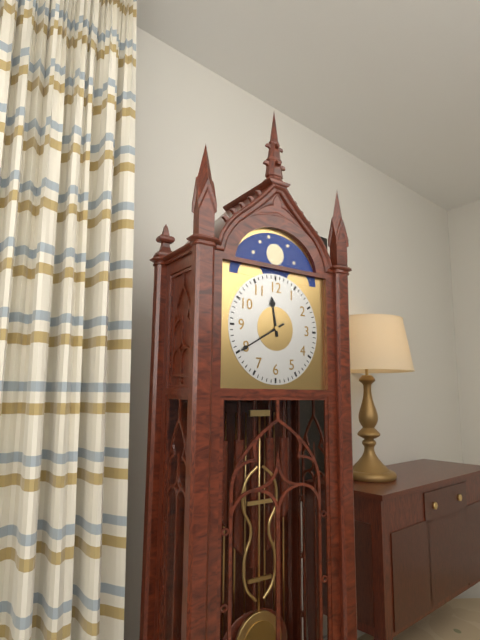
11:40
